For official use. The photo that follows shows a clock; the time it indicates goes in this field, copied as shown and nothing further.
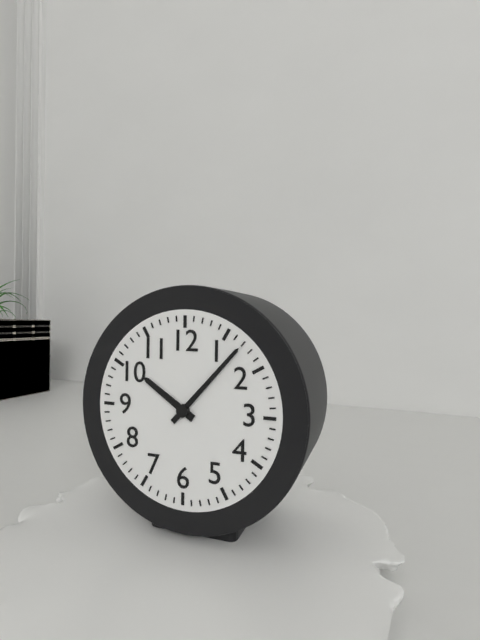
10:07
